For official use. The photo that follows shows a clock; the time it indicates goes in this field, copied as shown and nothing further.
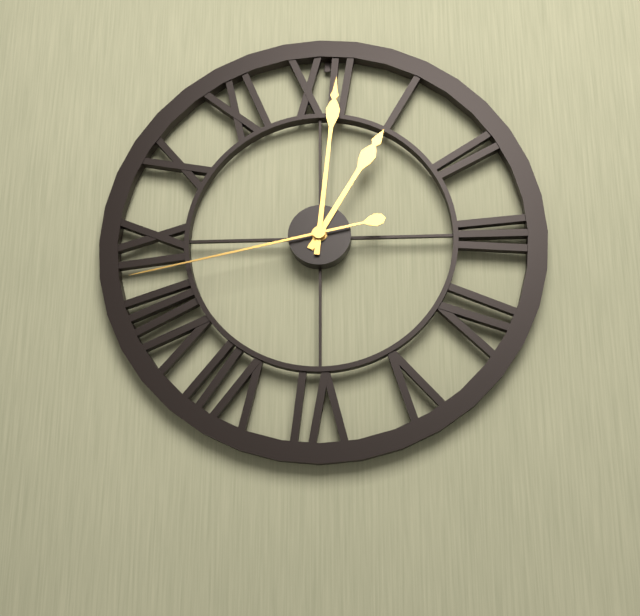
1:01:43
